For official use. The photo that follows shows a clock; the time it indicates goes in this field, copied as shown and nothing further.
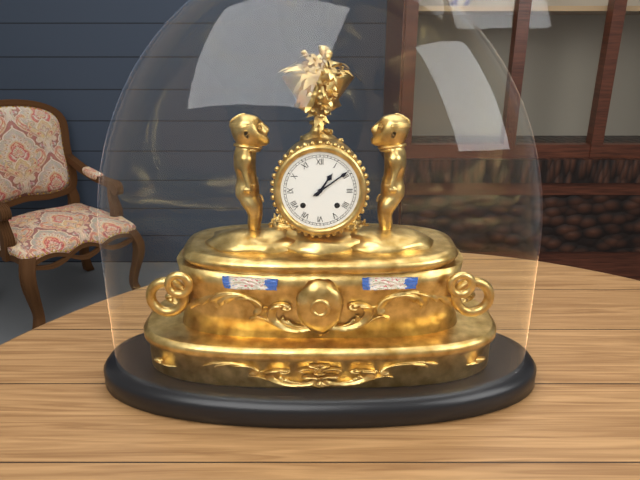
1:09
